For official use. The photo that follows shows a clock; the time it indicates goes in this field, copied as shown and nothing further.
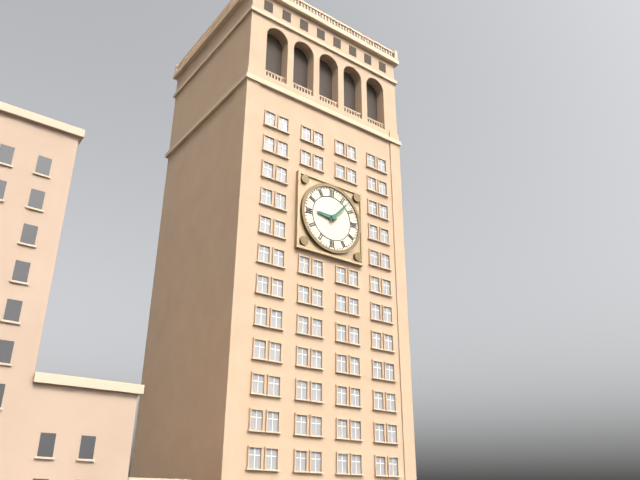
9:07
